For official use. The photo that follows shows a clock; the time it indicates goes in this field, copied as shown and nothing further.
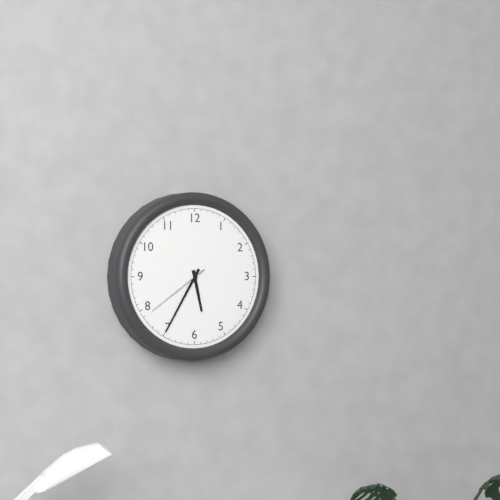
5:35:39
